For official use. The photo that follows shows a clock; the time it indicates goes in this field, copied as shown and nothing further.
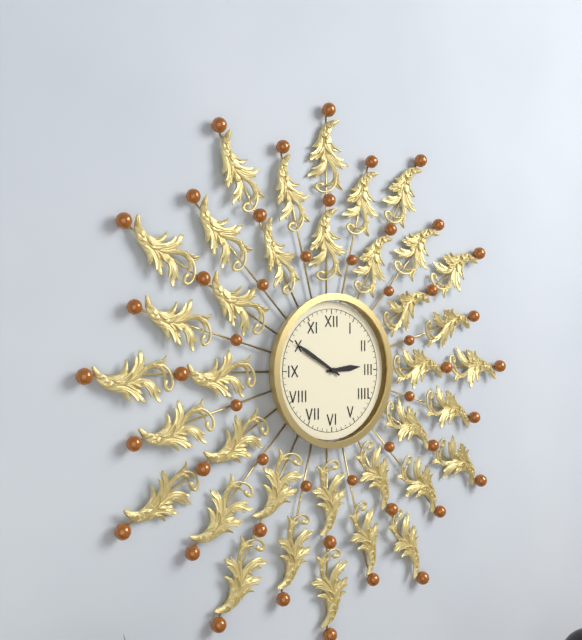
2:50
